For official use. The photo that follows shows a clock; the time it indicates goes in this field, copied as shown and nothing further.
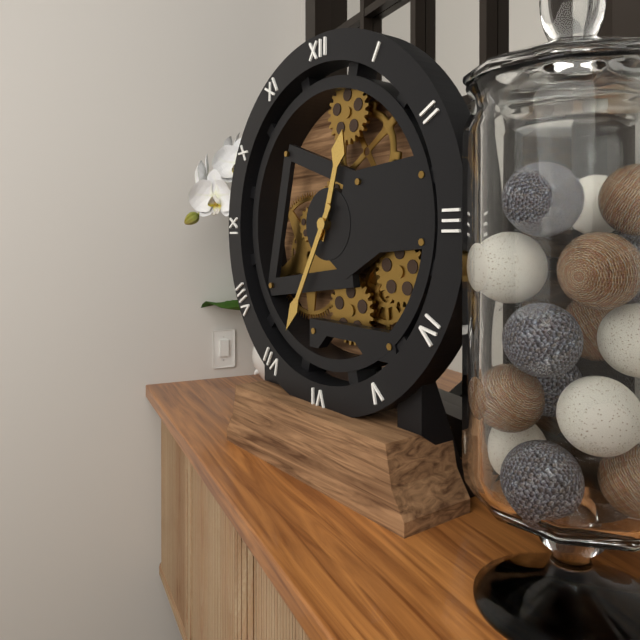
12:35
